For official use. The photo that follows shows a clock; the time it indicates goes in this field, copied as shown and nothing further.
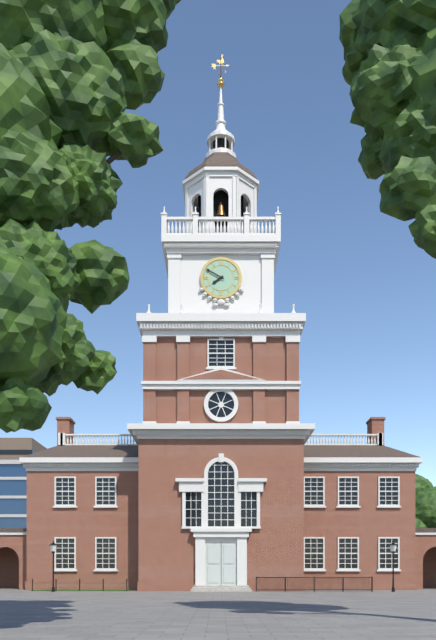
7:50
